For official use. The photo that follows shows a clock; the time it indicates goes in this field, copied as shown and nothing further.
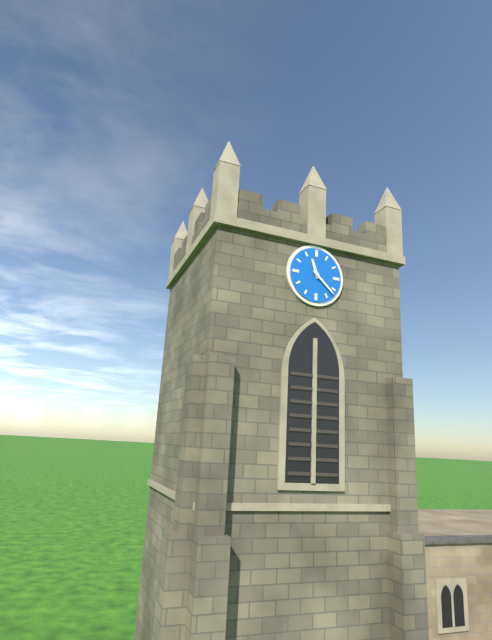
11:22
